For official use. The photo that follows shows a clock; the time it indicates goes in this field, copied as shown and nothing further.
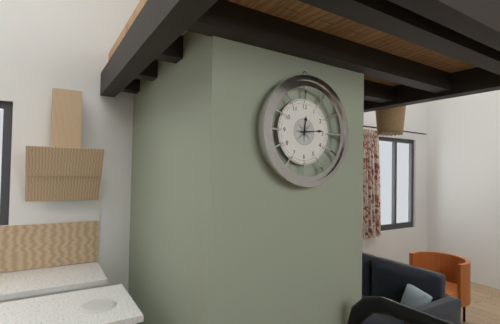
12:14
